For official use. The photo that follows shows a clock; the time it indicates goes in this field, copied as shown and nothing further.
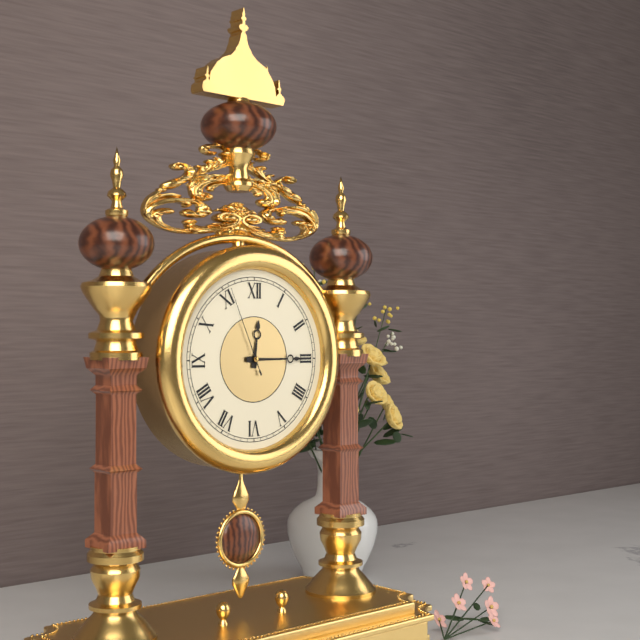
12:15:56
